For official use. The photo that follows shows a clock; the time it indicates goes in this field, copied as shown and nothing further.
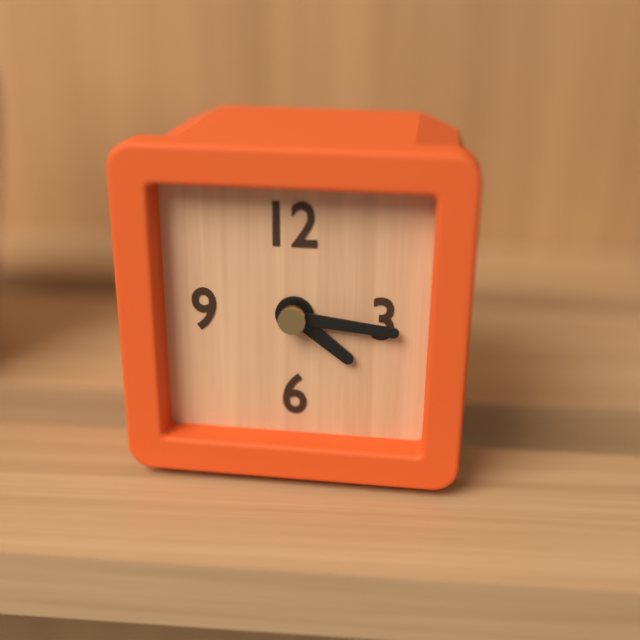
4:16
